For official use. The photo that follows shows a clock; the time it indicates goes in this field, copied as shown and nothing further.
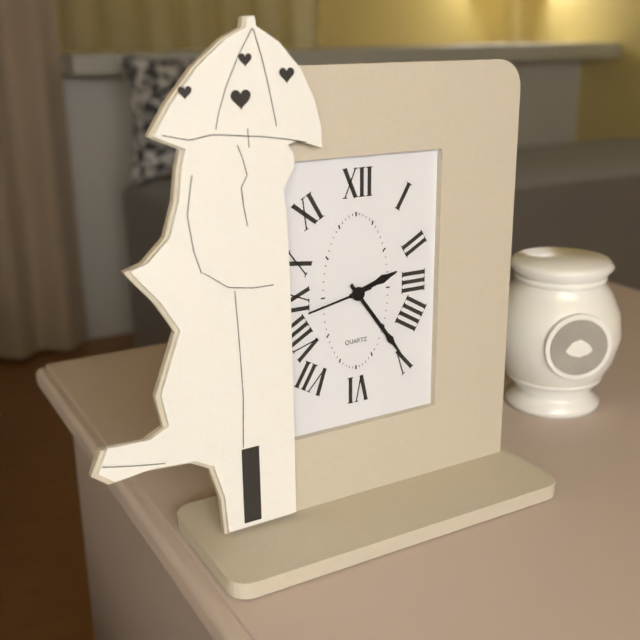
2:24:43
